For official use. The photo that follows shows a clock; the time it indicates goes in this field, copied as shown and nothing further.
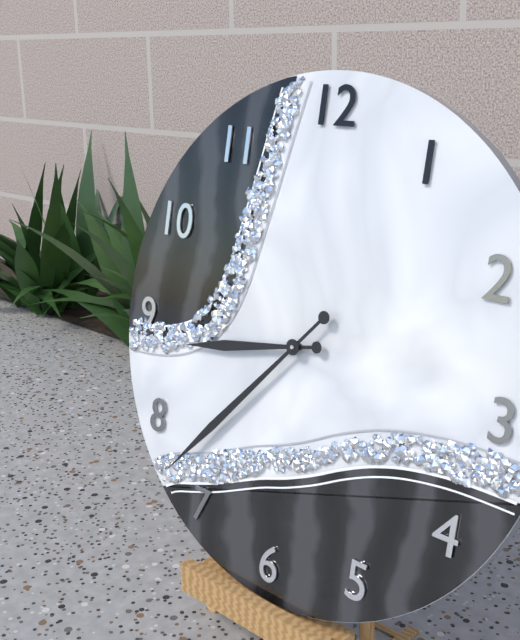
8:37
